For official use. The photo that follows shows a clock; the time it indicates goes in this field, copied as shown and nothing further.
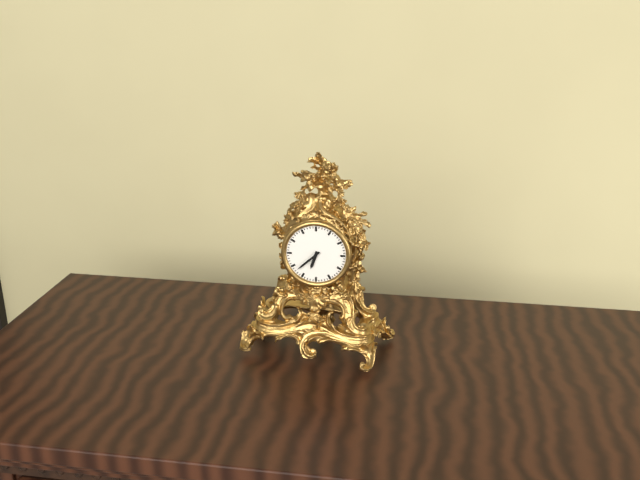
6:38
